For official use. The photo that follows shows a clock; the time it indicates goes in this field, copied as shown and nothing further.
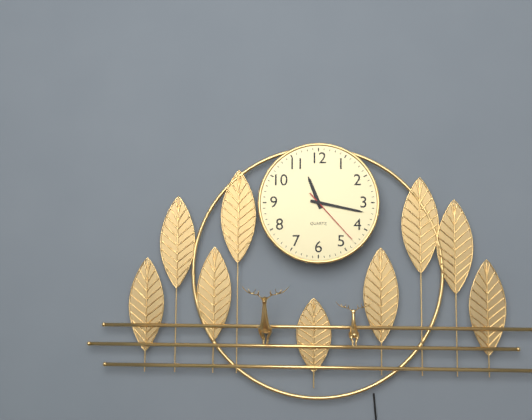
11:17:23
